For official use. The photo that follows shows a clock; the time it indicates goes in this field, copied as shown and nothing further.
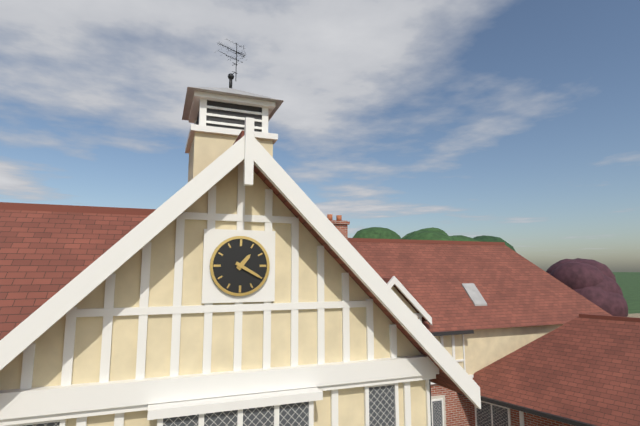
1:20
